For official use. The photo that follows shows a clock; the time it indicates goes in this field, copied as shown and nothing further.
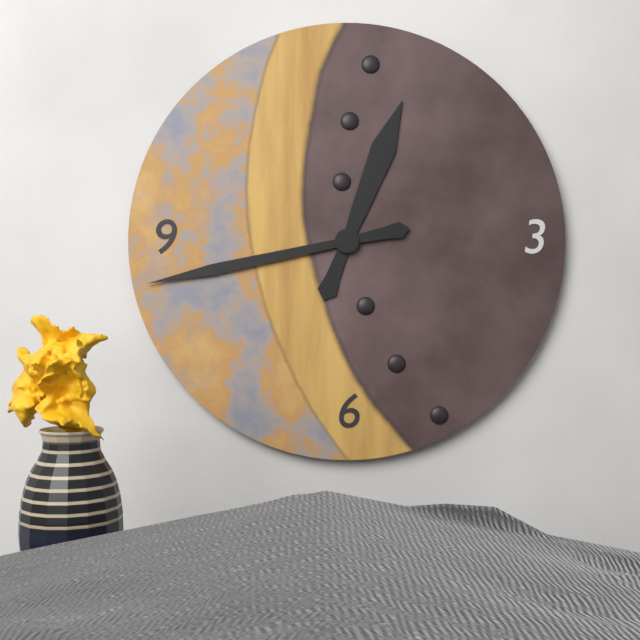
12:43
